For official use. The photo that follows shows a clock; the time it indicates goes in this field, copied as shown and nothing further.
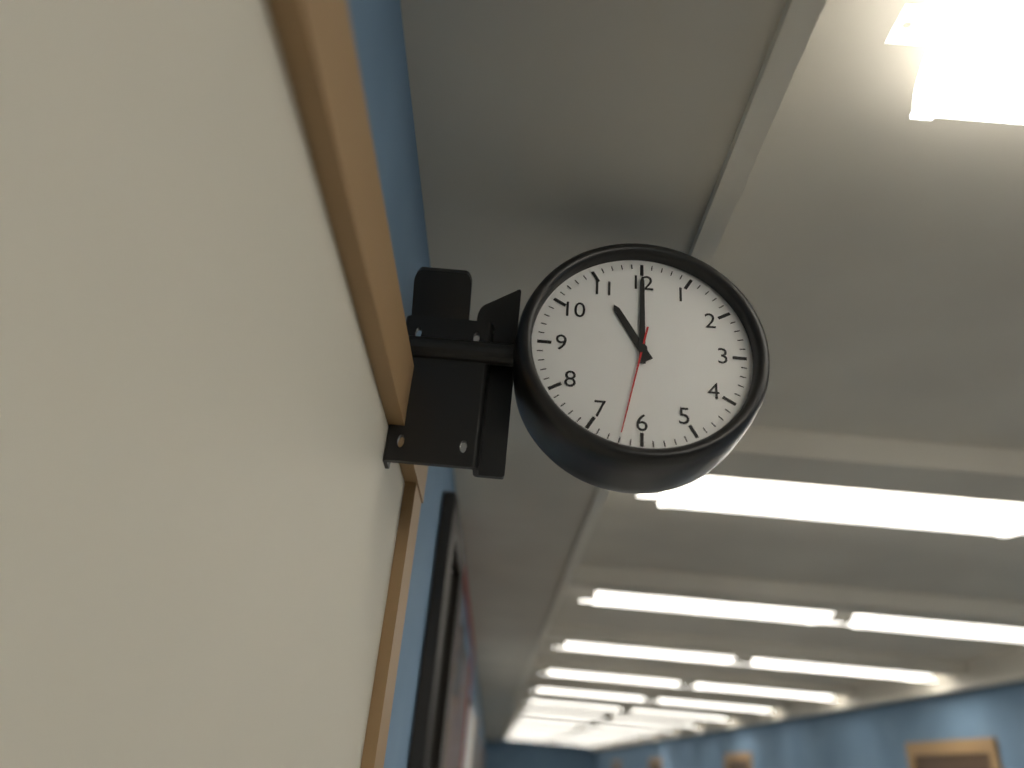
11:00:32
